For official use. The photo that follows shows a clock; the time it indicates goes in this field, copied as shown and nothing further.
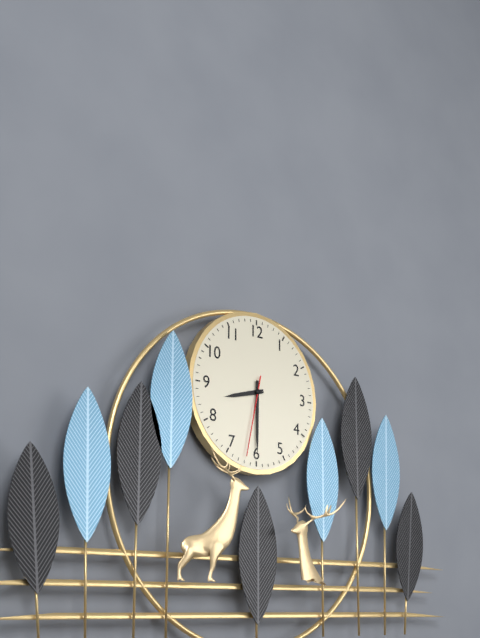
8:30:32
